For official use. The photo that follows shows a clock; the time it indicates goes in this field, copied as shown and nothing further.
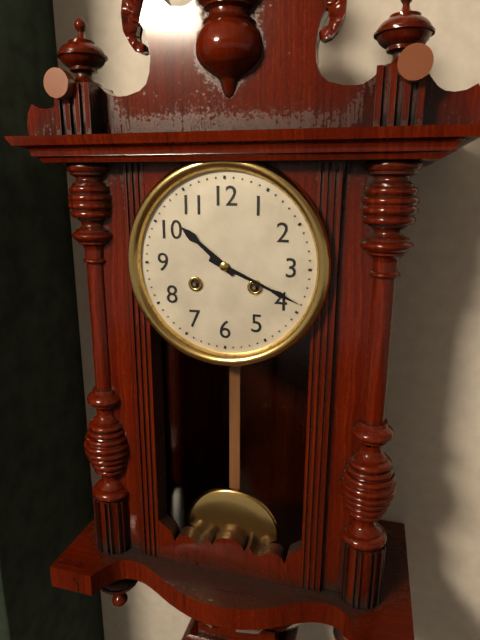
10:19
